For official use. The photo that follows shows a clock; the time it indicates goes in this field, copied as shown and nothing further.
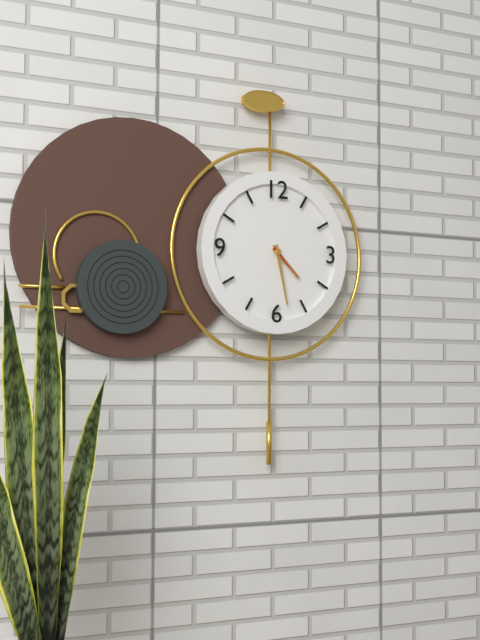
4:28
